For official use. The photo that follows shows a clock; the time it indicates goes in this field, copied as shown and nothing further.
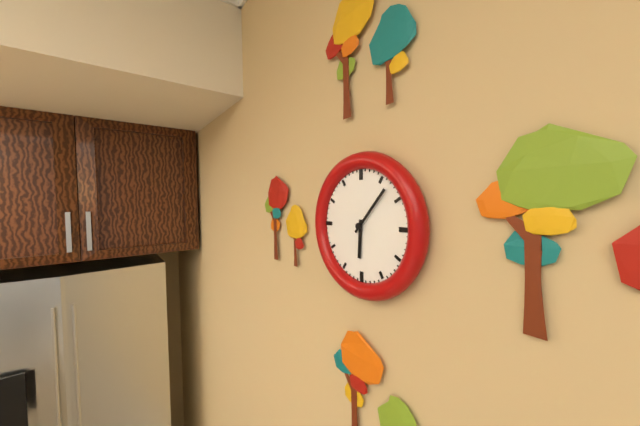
6:07
